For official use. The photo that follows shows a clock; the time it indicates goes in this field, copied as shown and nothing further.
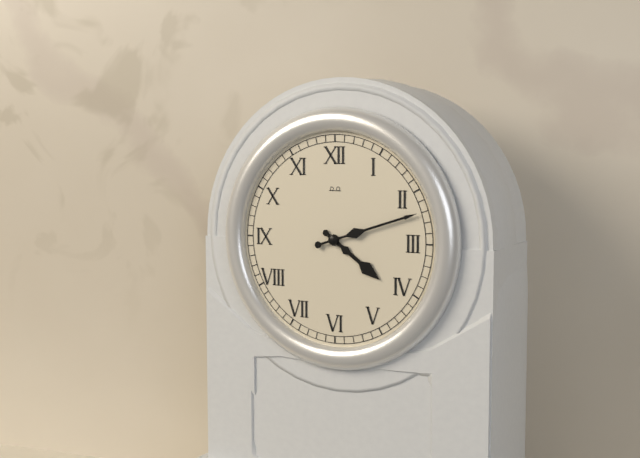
4:12
